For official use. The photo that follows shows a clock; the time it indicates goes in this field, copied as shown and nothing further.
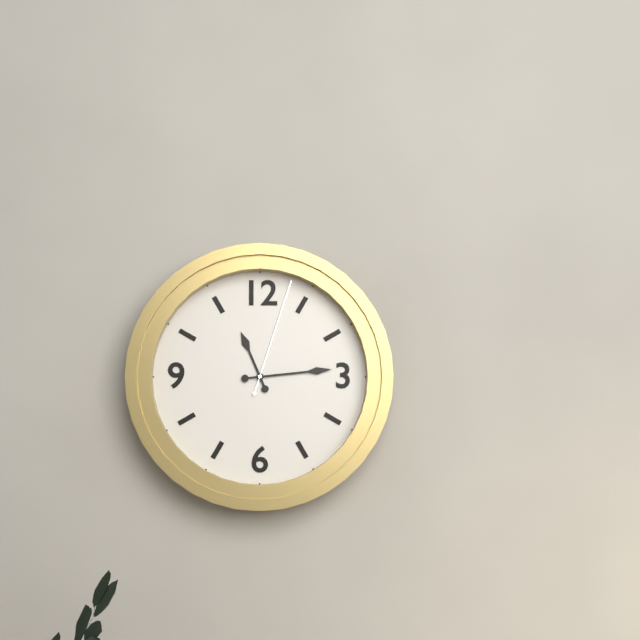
11:14:03
